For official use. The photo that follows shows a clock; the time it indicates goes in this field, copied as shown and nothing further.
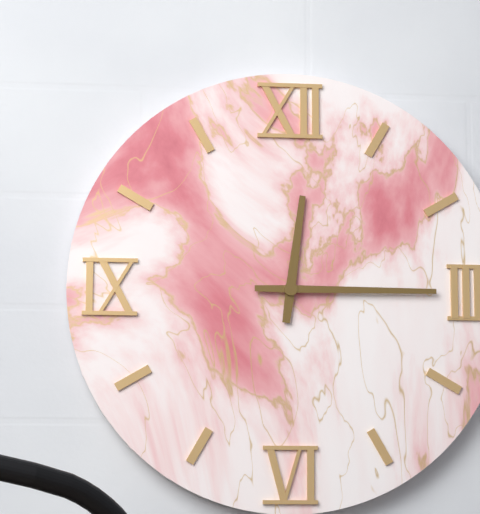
12:15
